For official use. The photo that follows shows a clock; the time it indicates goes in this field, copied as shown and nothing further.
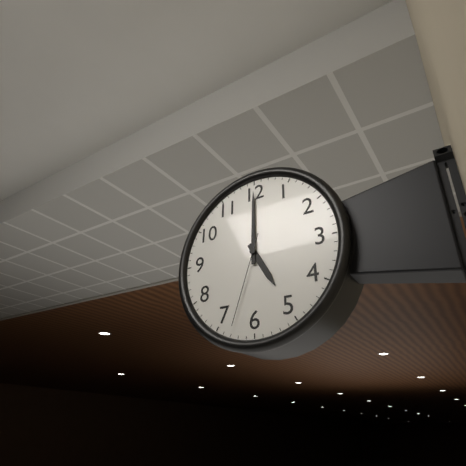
5:00:33
